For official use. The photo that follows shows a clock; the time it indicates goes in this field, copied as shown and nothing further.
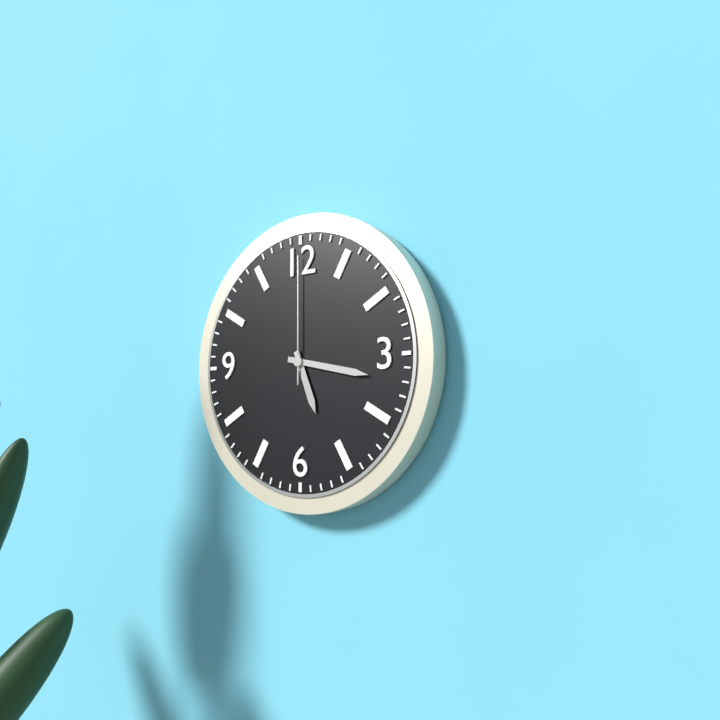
5:17:00
